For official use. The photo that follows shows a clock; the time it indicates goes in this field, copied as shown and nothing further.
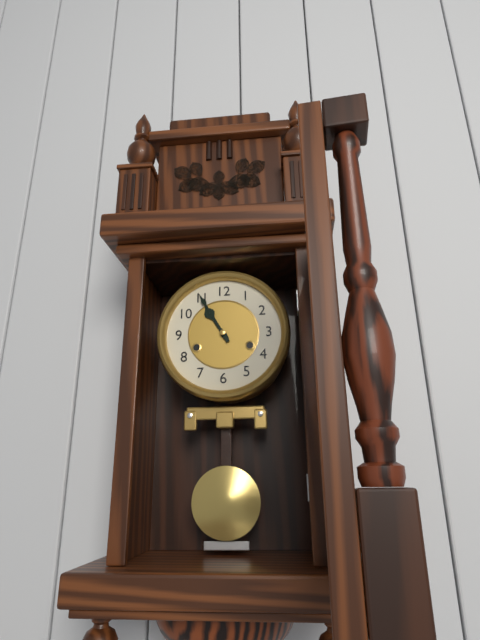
10:55
